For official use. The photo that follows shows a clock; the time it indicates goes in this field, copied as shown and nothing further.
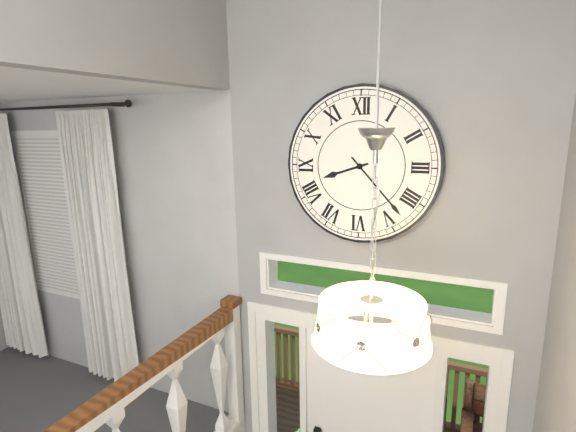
8:23
